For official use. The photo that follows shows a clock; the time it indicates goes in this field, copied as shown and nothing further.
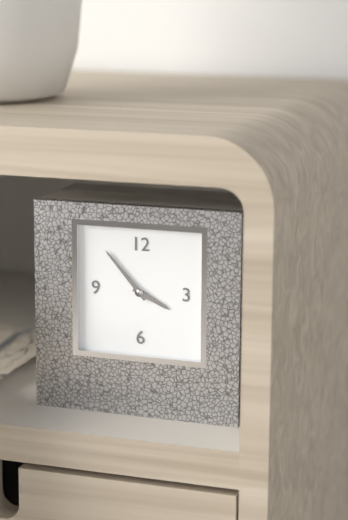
3:53
